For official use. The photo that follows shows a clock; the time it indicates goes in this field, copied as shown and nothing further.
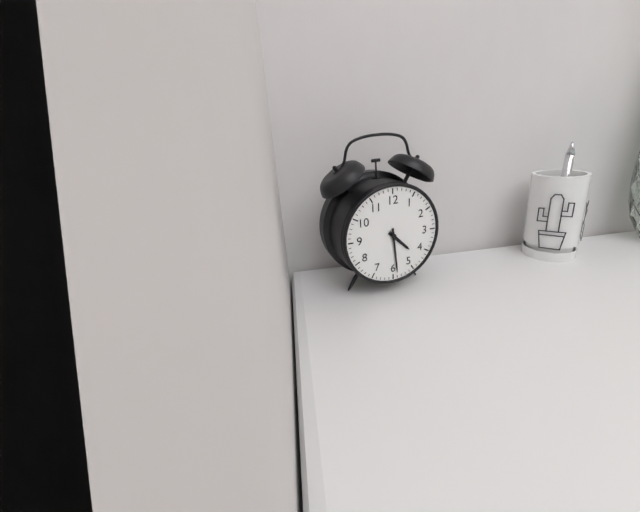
4:29
